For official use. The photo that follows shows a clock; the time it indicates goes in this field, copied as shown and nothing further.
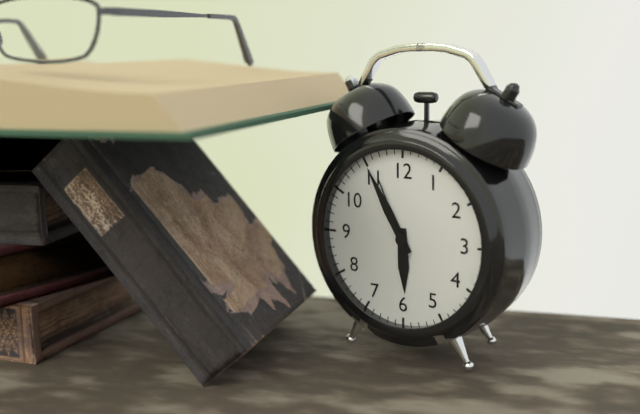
5:55:56
